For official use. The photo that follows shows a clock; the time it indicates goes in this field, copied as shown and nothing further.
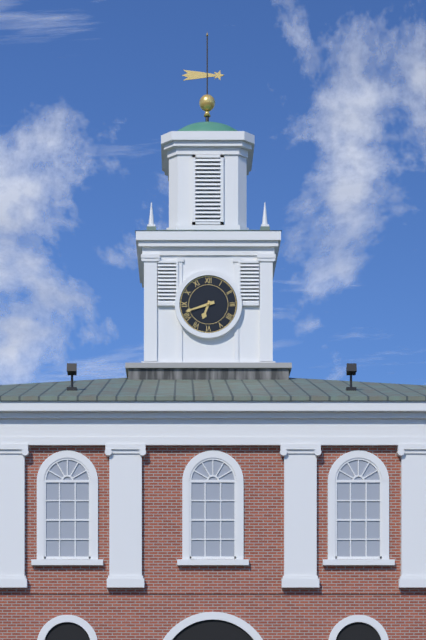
6:42
